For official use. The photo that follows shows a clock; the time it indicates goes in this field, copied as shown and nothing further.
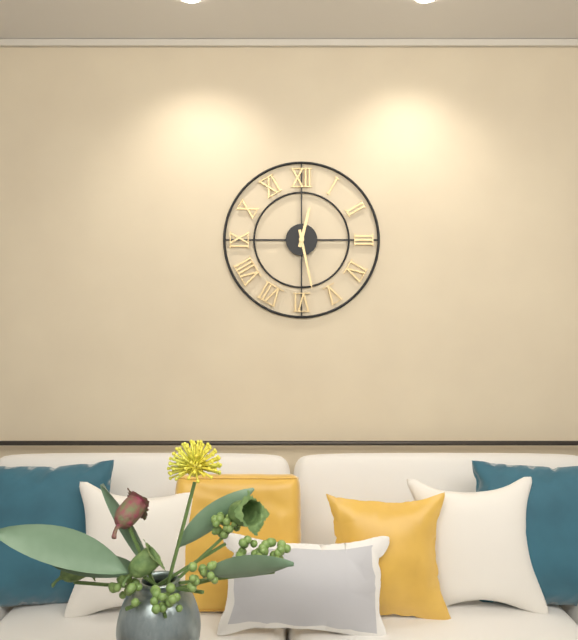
12:28
